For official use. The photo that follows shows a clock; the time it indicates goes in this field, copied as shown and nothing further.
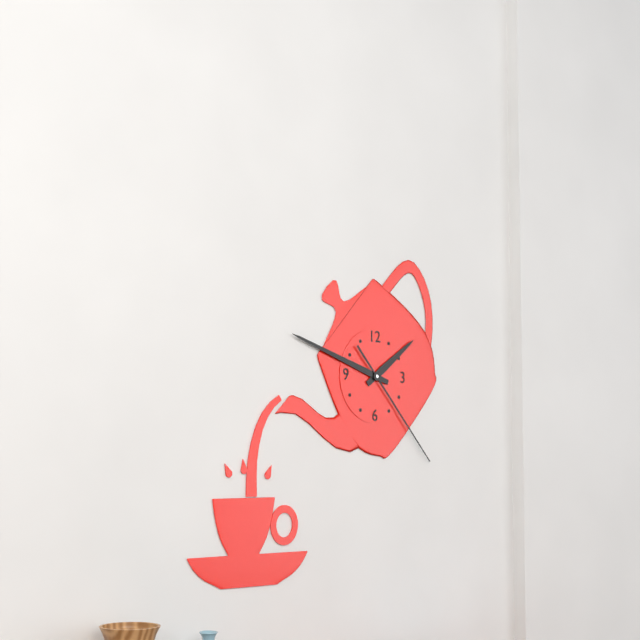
1:48:23
